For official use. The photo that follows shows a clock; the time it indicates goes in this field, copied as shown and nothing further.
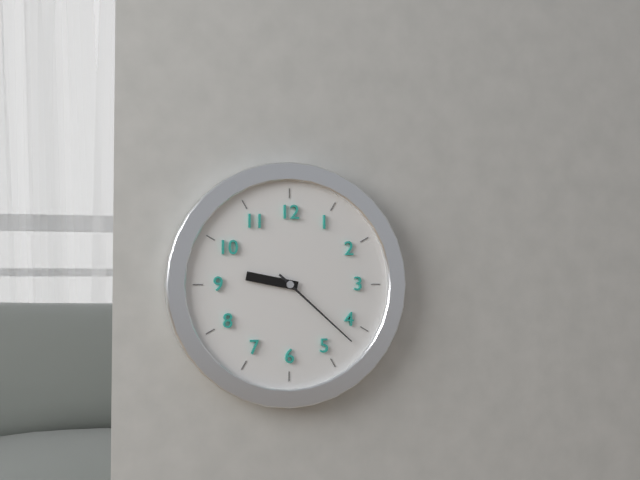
9:22
